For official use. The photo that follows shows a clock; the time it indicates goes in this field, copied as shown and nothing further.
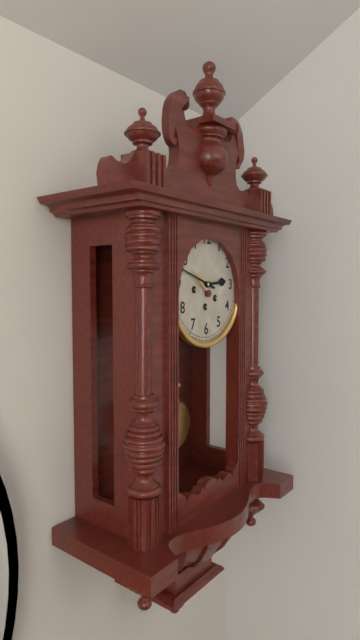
2:48
